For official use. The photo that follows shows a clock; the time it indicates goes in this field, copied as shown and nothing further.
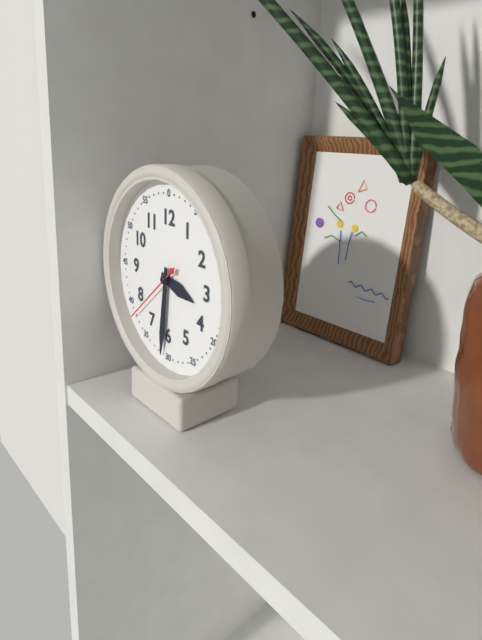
3:31:38
